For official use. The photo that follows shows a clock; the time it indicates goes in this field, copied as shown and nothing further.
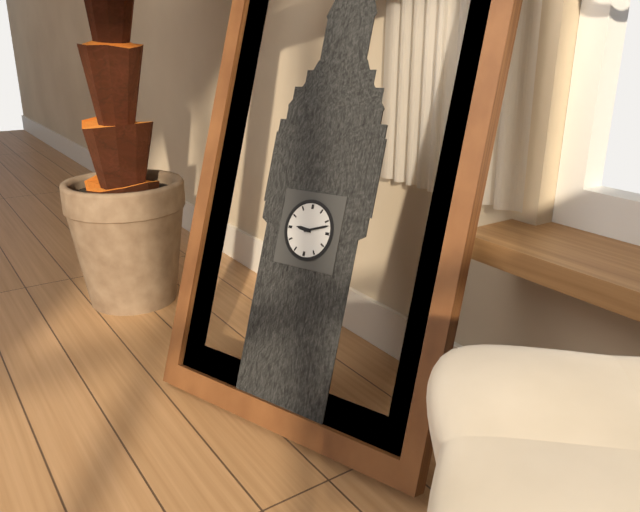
9:12
